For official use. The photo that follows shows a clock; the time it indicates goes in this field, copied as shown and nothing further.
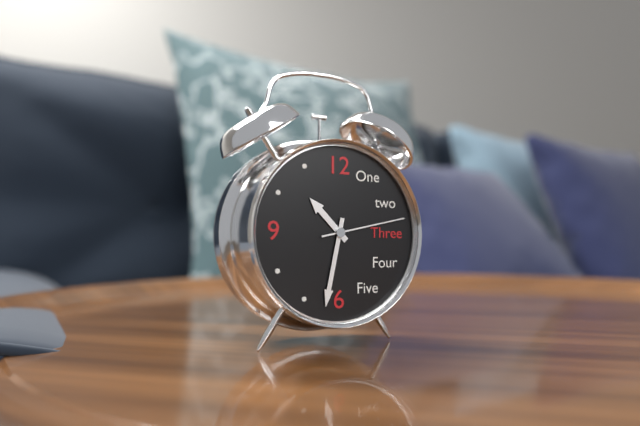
10:32:13
